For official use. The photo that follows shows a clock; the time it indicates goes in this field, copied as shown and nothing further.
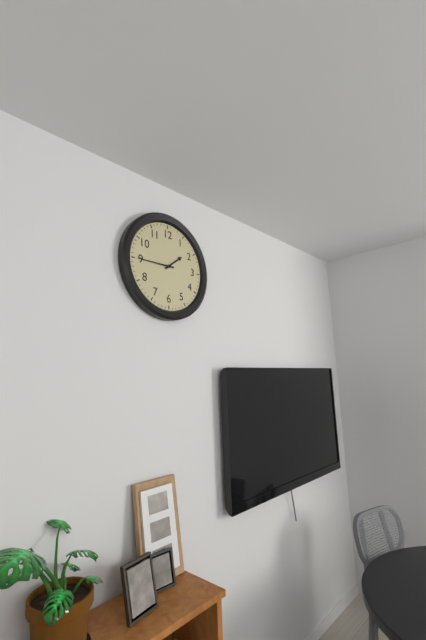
1:45
